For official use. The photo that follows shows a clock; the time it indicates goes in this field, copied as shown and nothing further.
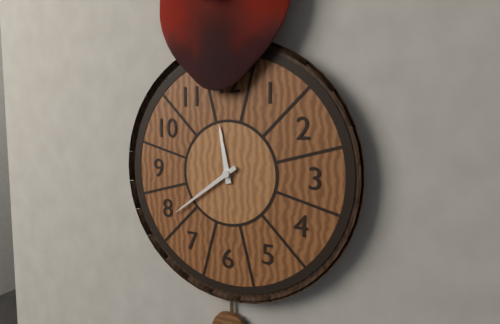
11:39
